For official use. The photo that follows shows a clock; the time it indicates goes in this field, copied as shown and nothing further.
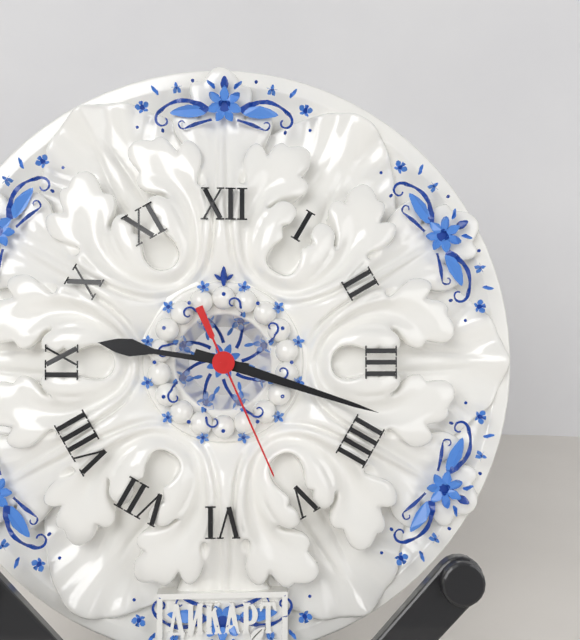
9:18:26
